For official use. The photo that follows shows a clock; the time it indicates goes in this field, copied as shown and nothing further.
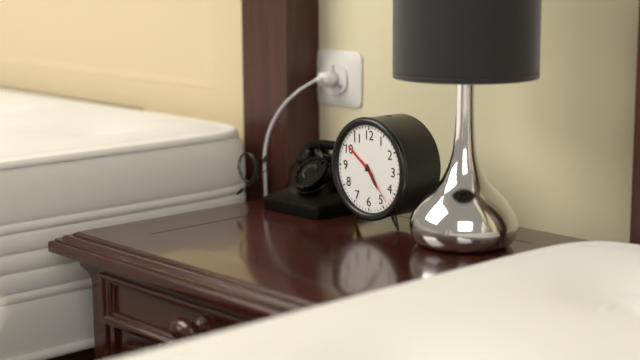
4:51
